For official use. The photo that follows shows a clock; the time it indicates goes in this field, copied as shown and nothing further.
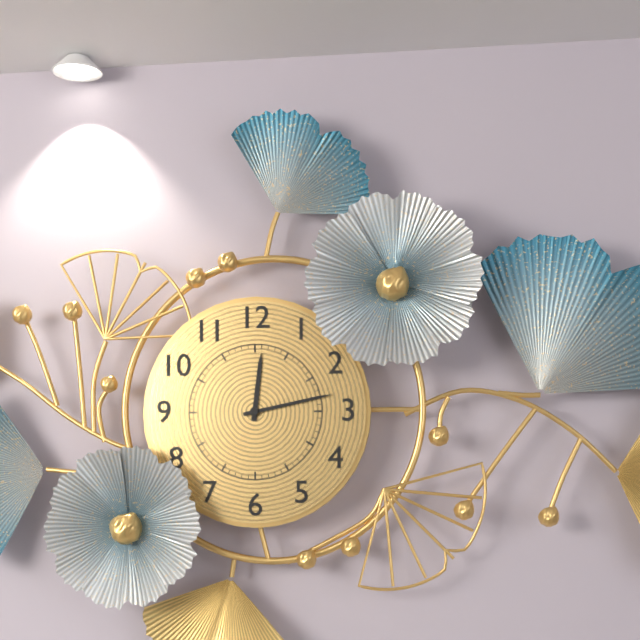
12:13
